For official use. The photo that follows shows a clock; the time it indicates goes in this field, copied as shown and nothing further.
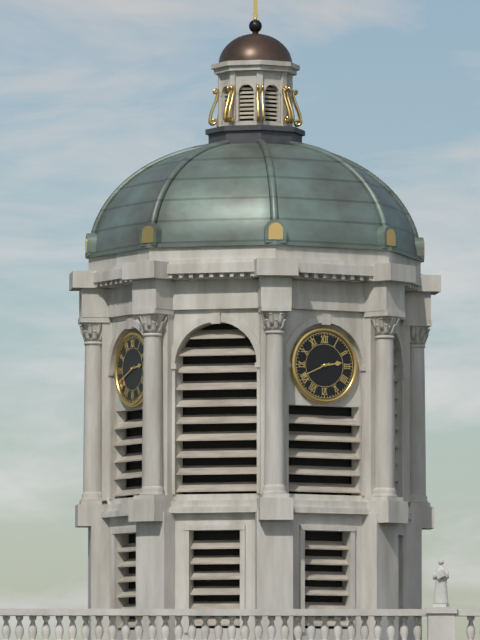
2:41
